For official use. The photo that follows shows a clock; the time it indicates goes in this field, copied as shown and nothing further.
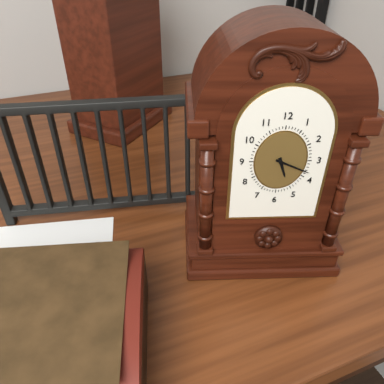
5:19
